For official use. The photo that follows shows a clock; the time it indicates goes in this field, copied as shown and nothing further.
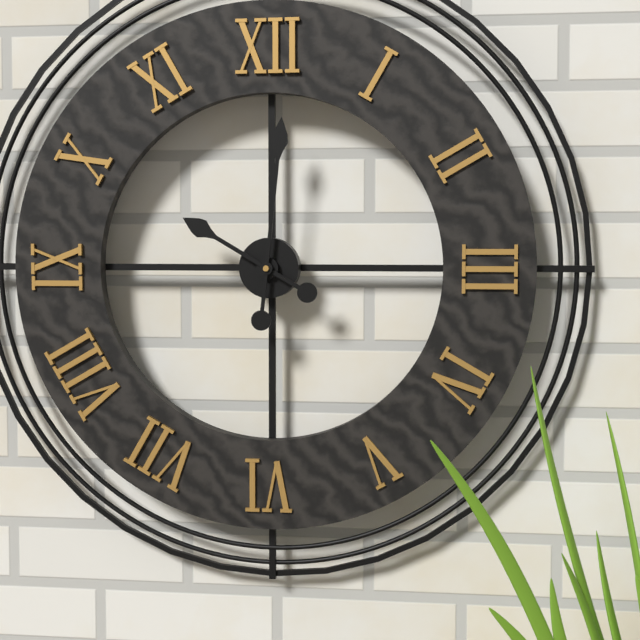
10:01
